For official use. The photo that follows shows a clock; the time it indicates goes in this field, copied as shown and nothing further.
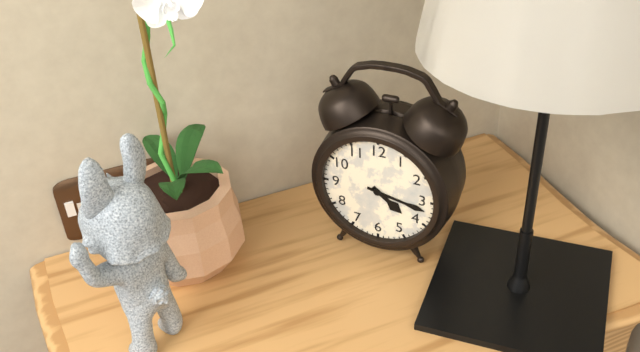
4:17
